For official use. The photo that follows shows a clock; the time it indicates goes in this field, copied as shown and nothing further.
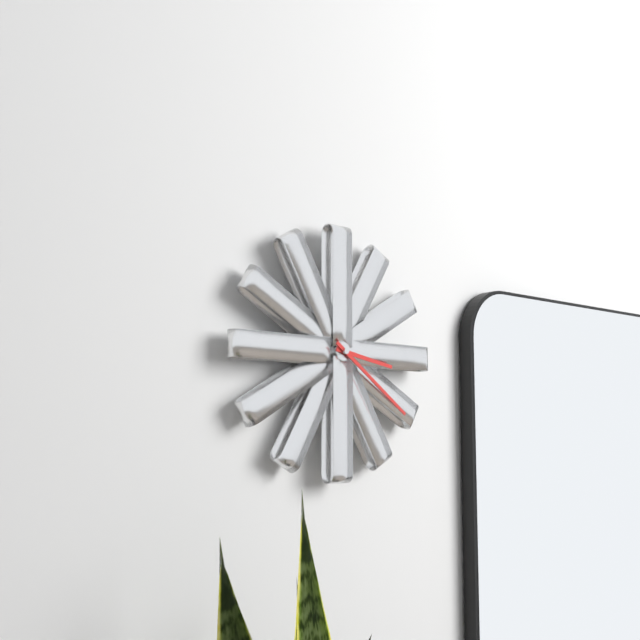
3:21
